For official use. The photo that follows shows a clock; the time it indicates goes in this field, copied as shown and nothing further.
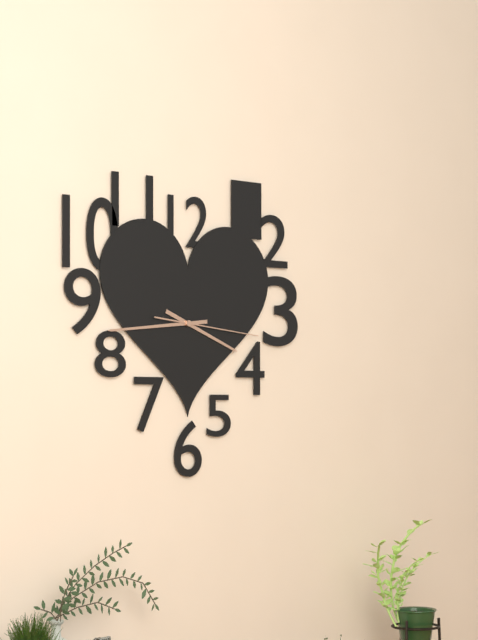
3:44:16
